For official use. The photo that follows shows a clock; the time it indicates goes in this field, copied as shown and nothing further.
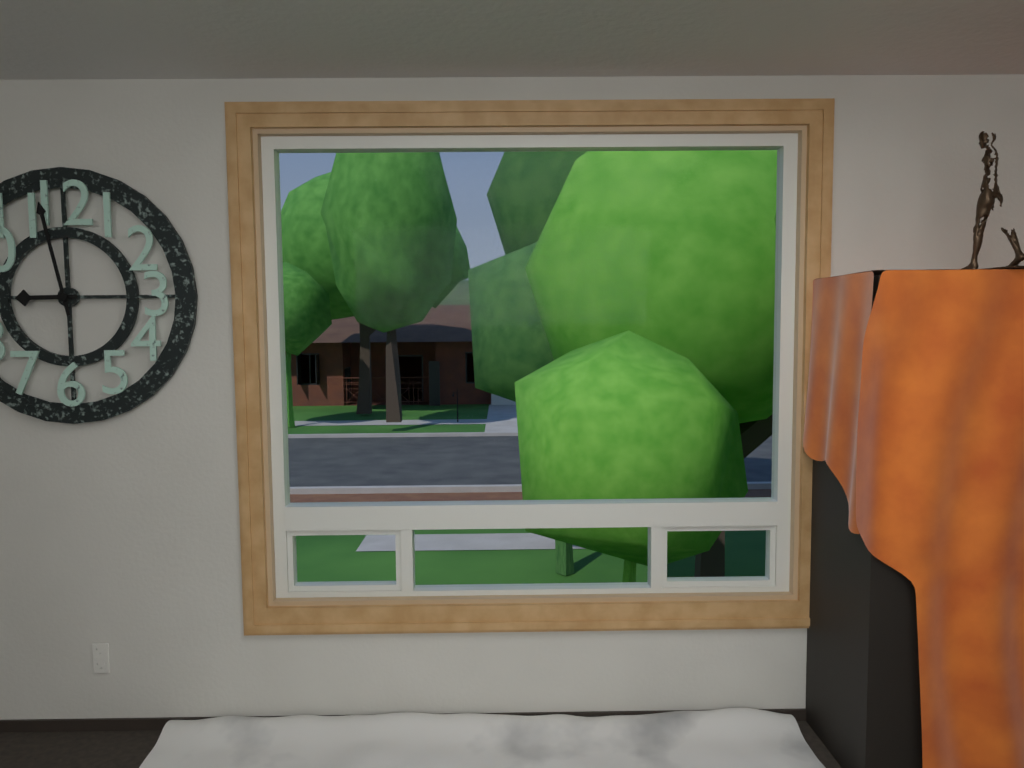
8:58
